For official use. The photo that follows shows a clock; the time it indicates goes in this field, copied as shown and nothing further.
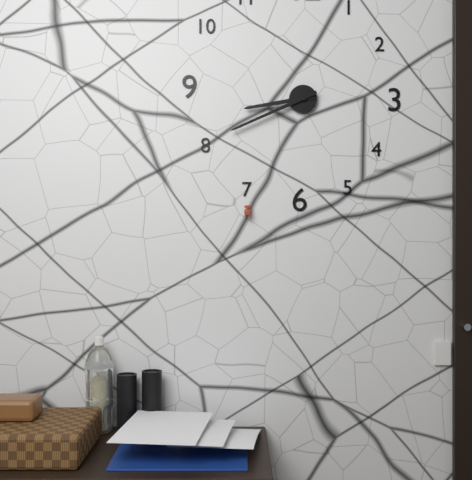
8:41
